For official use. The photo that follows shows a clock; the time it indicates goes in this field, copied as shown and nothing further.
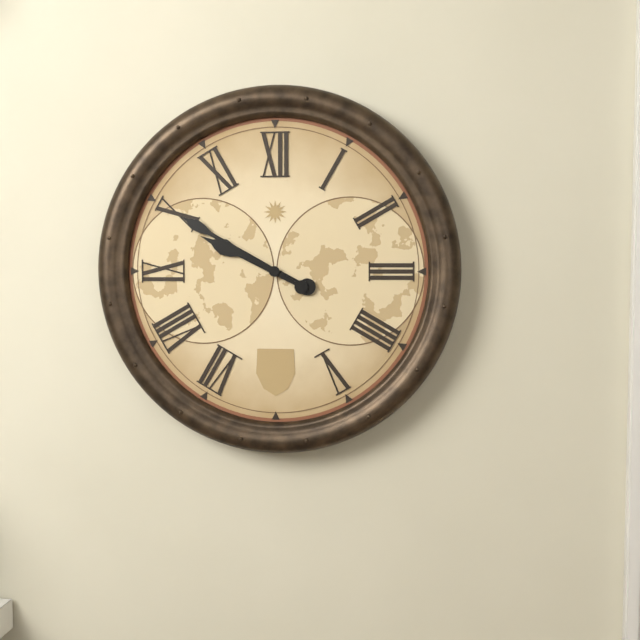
9:50
